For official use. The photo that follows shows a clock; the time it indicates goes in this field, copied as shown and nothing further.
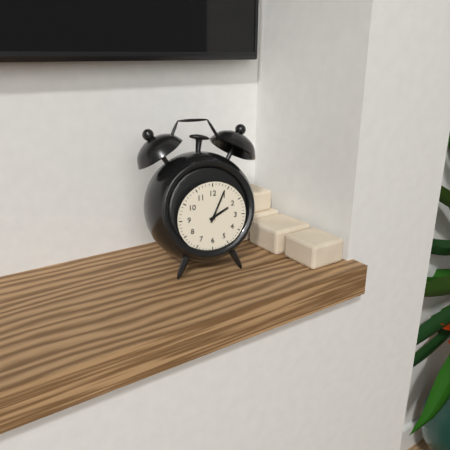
2:04
